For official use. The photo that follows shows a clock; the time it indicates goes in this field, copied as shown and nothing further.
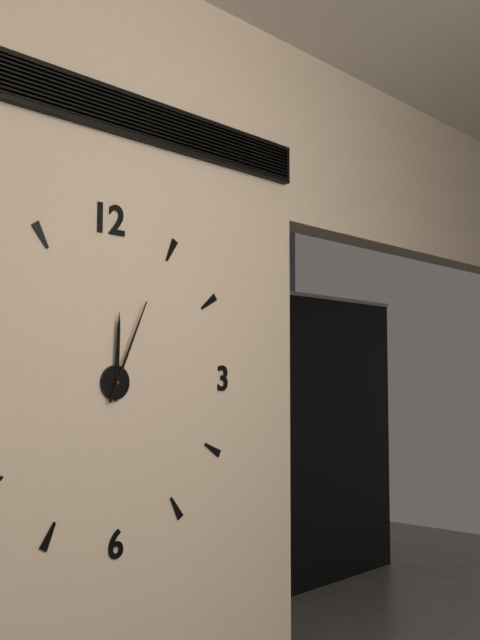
12:04
